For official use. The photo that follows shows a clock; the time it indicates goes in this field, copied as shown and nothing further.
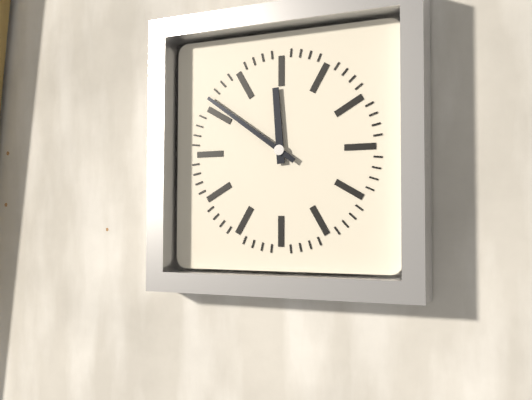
11:51
